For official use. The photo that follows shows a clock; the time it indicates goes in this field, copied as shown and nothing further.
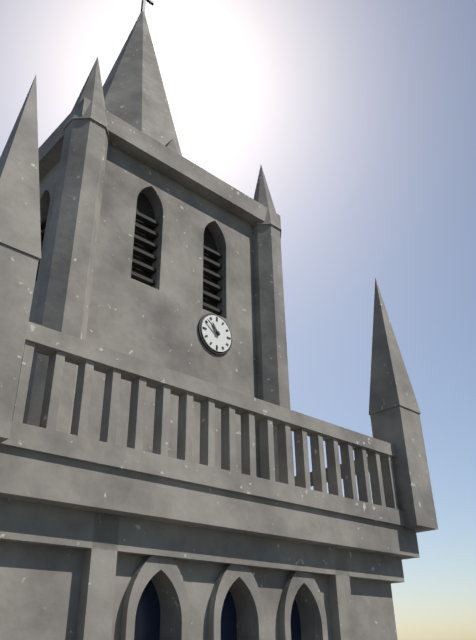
10:51
